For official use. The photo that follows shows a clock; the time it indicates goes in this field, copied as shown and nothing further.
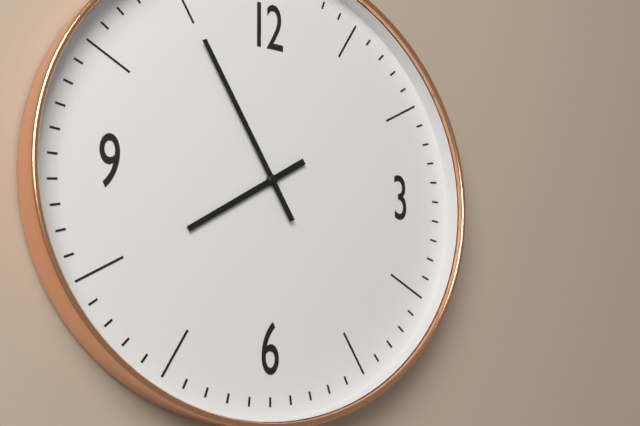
7:55
